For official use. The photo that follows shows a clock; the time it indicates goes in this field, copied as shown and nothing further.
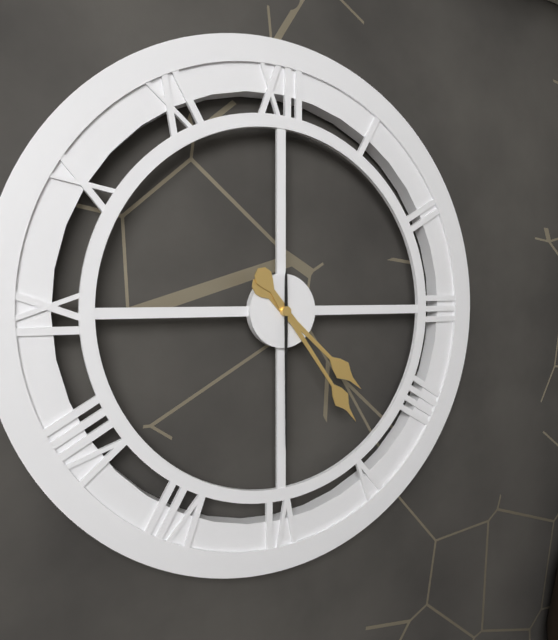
4:24:30
